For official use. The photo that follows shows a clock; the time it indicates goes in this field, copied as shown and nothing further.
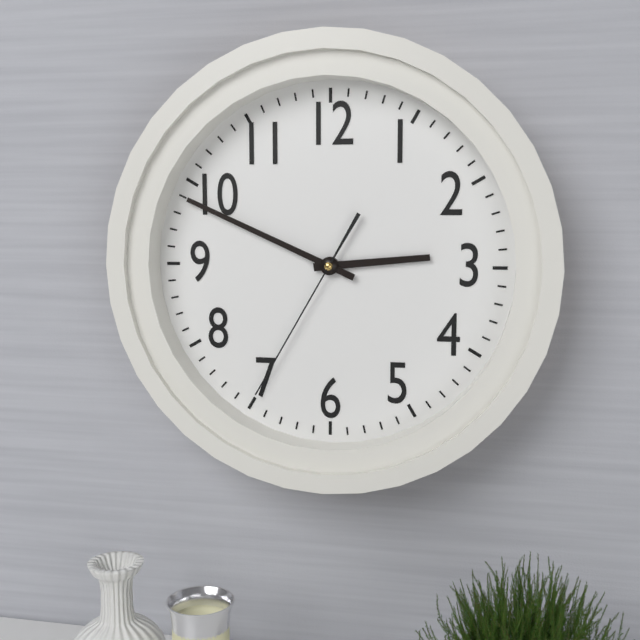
2:49:35
